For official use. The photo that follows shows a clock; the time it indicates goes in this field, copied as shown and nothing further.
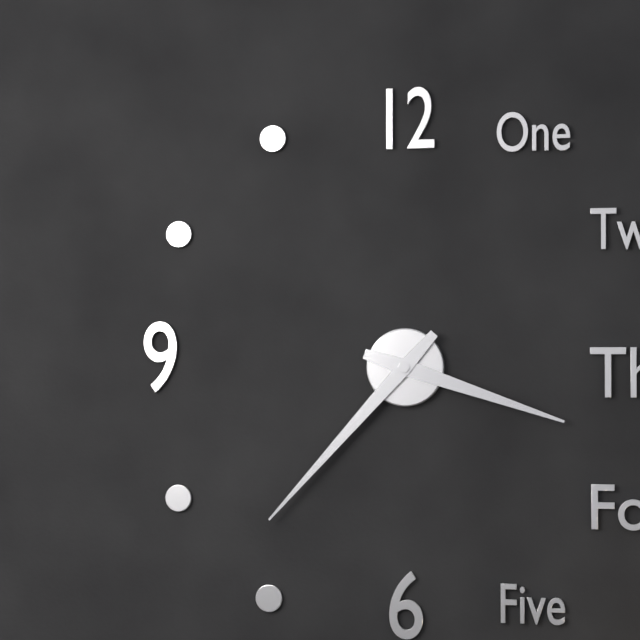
3:37
